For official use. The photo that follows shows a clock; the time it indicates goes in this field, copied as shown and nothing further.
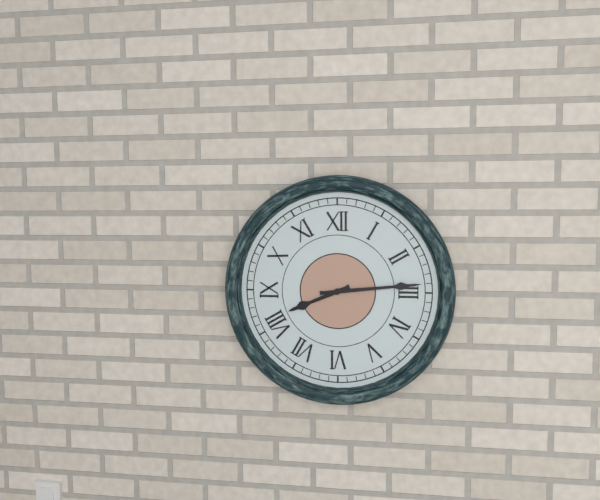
8:14
